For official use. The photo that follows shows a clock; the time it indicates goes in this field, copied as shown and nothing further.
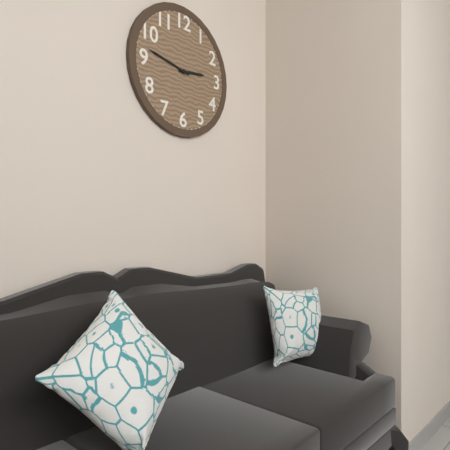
2:47
